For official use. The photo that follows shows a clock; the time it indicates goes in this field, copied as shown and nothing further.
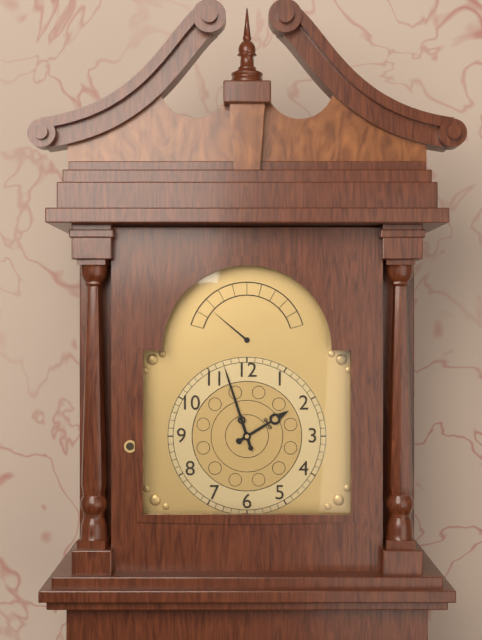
1:57
